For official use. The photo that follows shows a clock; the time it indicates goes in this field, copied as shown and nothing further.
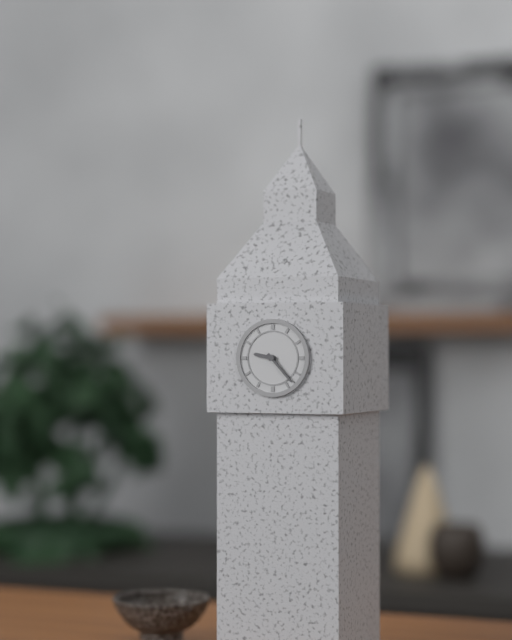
9:23
